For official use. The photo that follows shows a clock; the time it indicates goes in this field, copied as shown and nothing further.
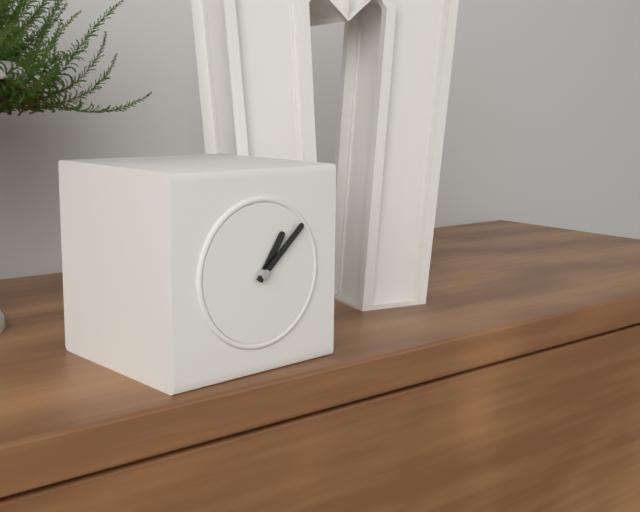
1:08
